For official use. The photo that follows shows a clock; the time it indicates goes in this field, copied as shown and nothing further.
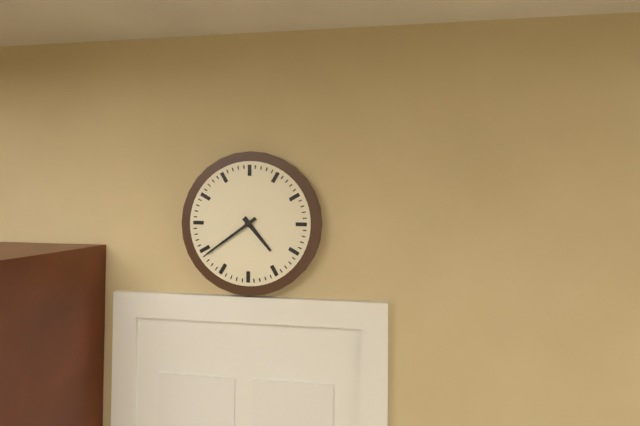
4:39
